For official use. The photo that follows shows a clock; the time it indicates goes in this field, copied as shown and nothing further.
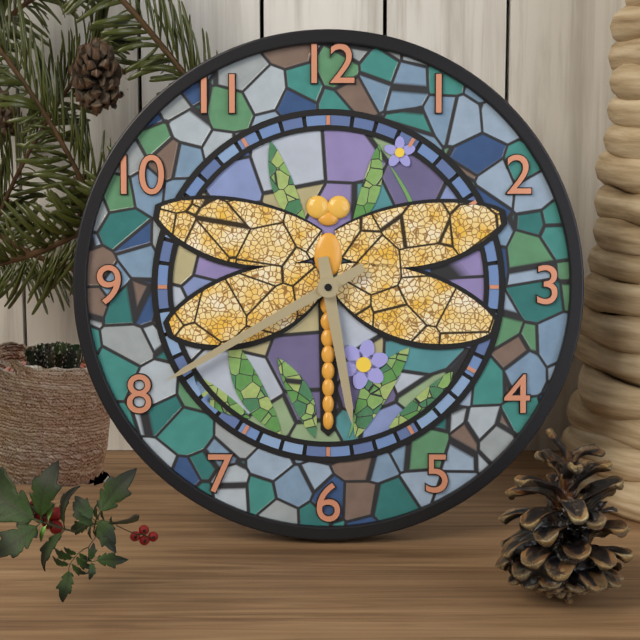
5:40
